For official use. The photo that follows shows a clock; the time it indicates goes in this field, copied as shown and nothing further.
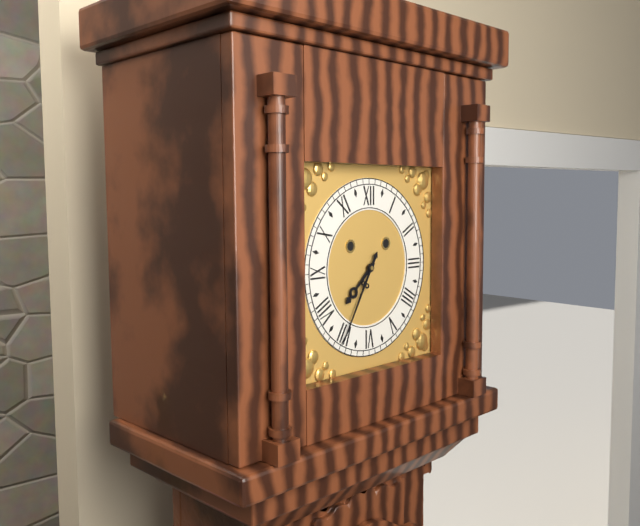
7:35
